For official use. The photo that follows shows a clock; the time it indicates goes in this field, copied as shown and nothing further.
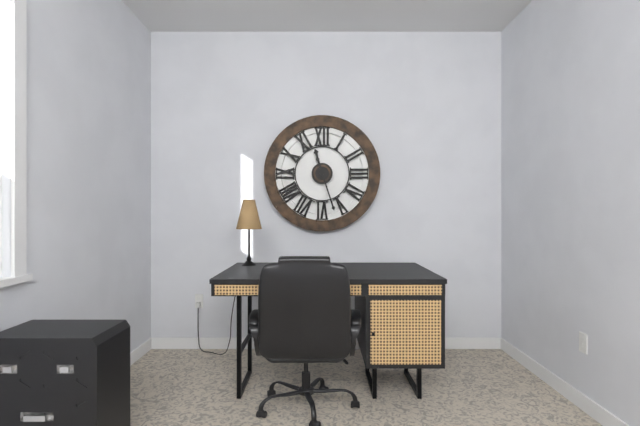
11:27
